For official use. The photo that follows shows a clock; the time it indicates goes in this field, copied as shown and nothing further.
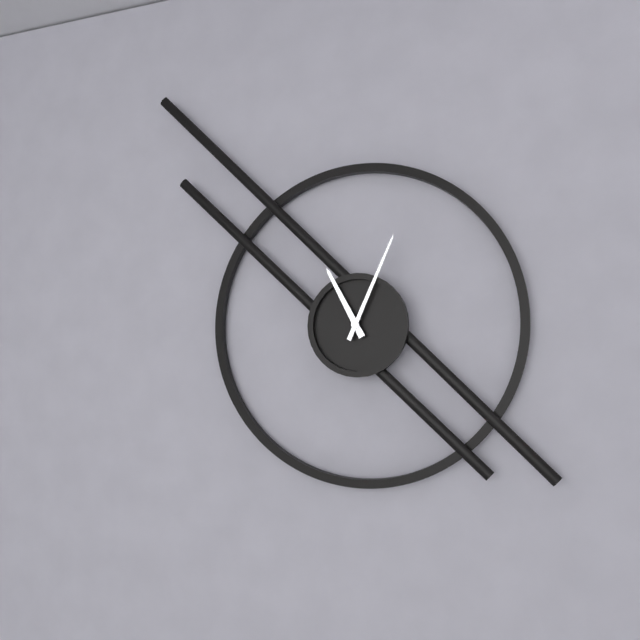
11:04
